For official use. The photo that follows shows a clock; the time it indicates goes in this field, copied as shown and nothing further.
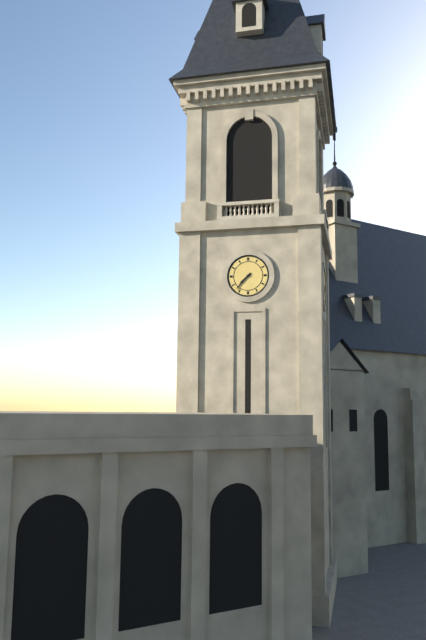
7:37
